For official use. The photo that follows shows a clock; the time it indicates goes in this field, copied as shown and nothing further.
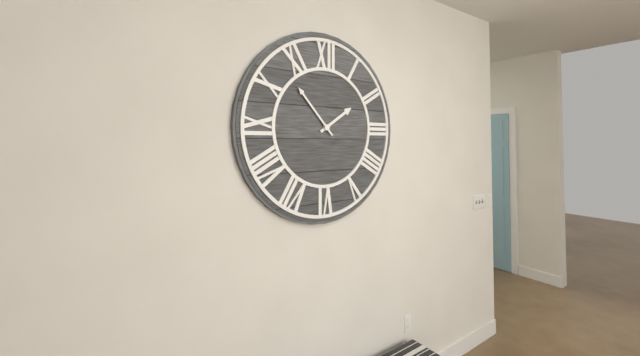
1:53
